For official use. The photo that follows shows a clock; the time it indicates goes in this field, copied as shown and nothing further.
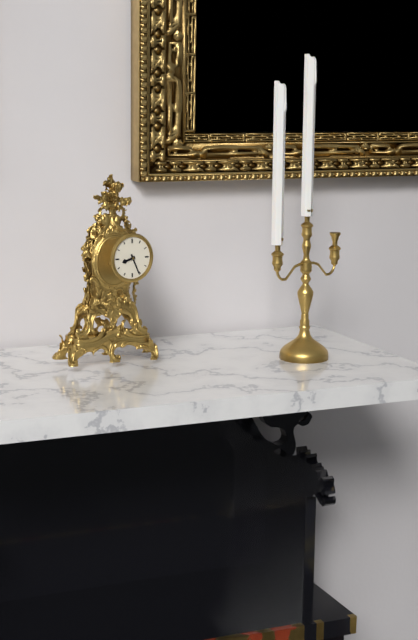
8:26
